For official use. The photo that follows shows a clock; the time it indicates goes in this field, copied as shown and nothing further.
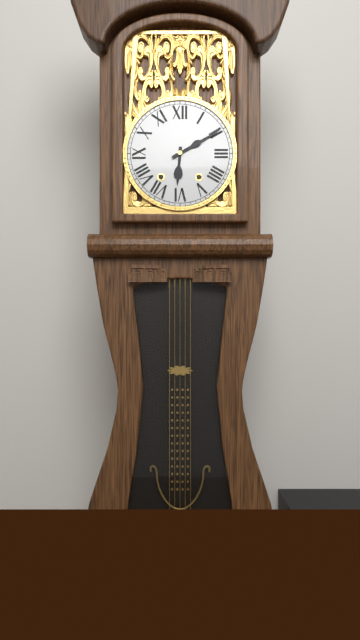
6:10
